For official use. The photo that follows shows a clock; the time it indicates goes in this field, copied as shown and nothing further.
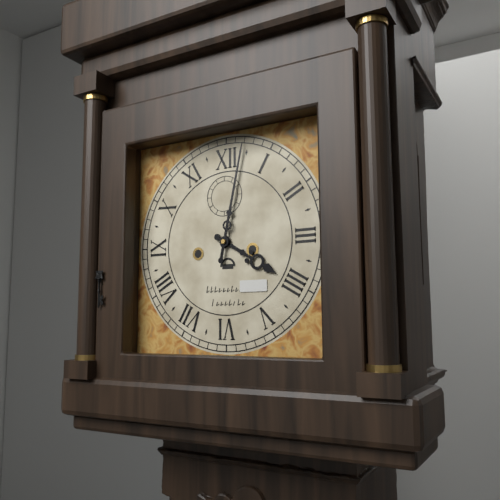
4:02
